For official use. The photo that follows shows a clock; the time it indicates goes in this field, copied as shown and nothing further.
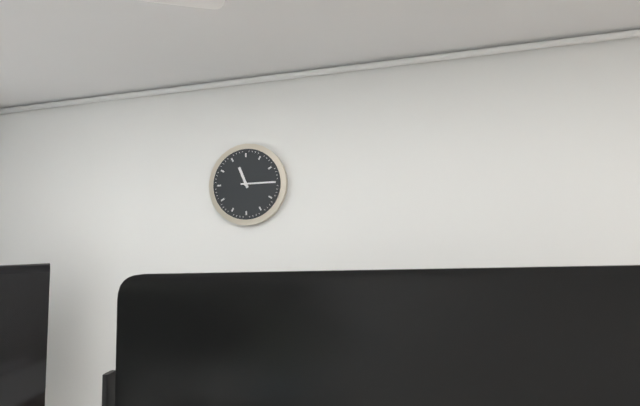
11:15
